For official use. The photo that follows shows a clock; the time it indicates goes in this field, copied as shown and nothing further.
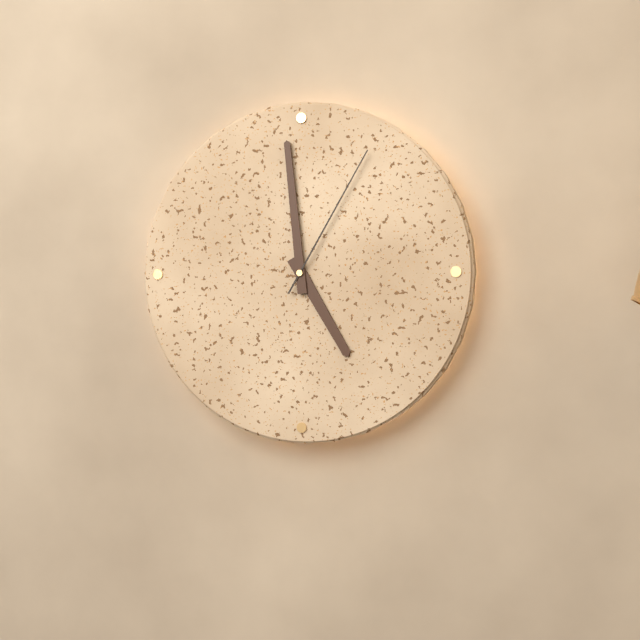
4:59:05
